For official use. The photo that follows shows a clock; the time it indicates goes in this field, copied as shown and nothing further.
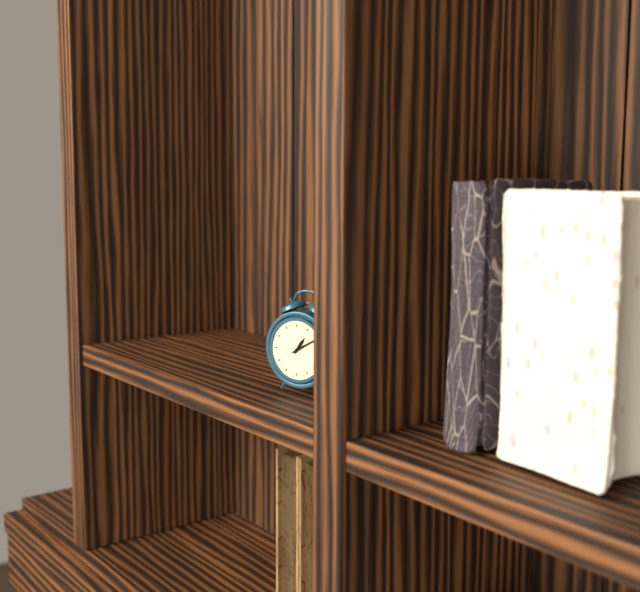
1:10
